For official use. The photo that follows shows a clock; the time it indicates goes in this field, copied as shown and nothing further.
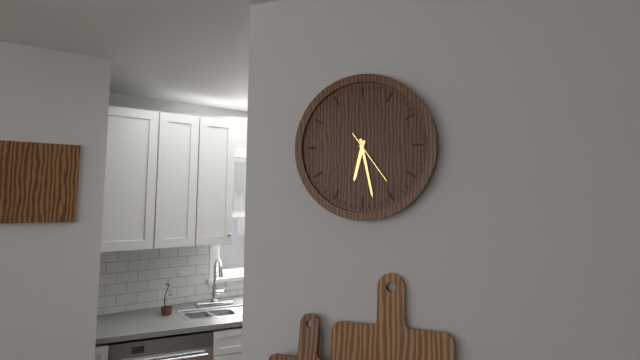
6:28:24
